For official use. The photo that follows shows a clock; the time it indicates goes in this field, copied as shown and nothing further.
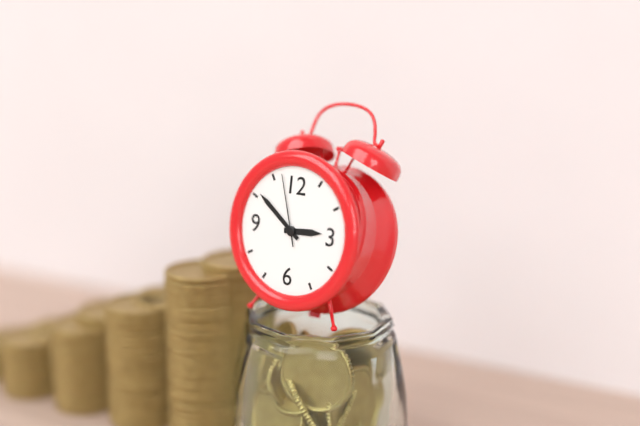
2:51:57
